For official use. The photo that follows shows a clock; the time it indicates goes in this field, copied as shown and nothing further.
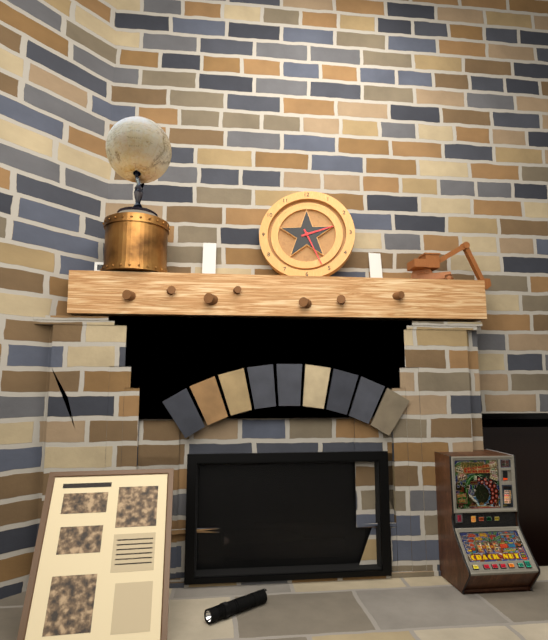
2:26
